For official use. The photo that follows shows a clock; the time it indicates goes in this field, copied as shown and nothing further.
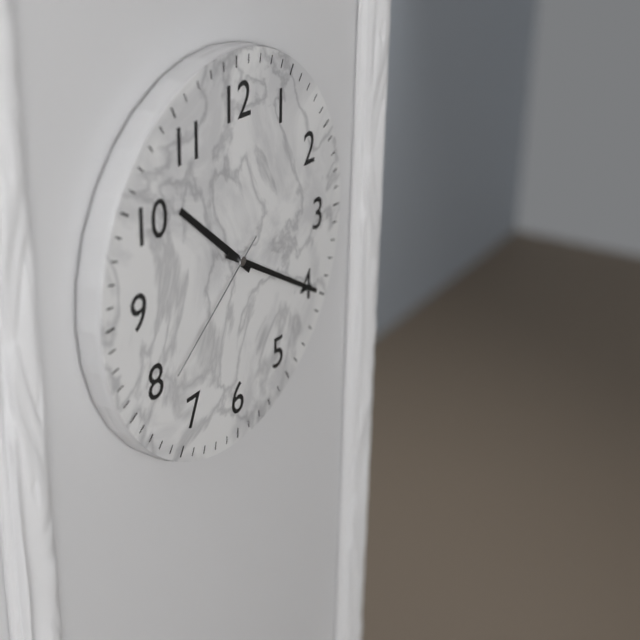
10:20:39
